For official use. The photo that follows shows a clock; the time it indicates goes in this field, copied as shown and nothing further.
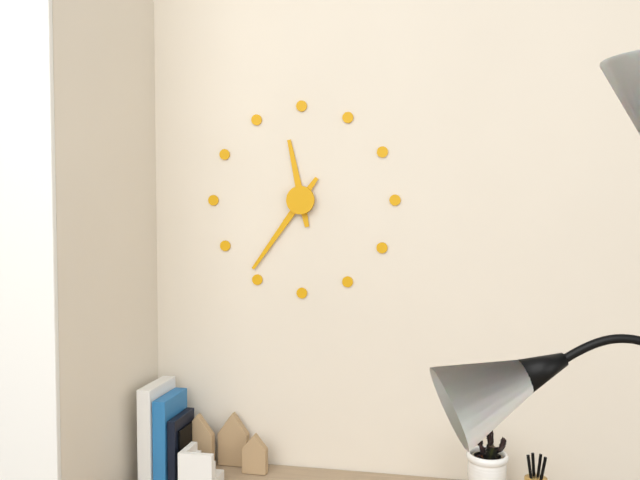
11:36
